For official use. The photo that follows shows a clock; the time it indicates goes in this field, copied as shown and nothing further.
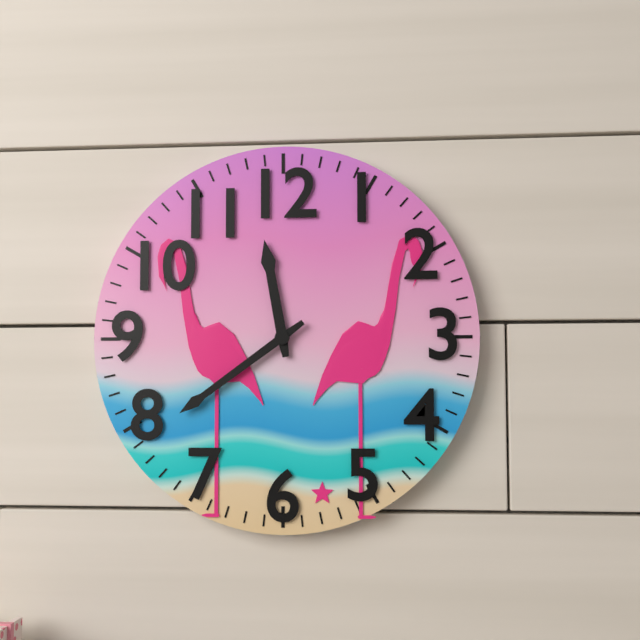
11:39
